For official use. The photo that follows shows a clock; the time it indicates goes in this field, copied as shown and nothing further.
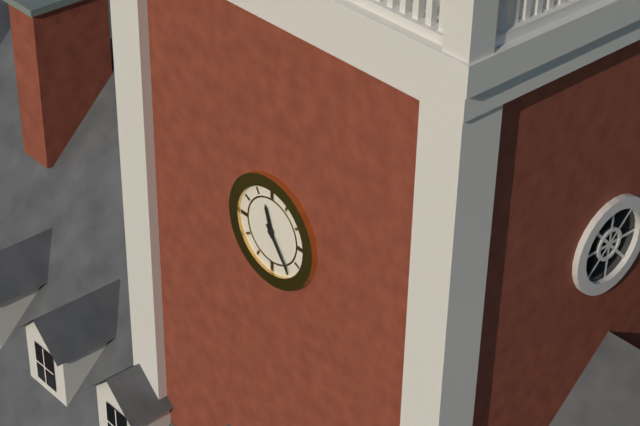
11:24
